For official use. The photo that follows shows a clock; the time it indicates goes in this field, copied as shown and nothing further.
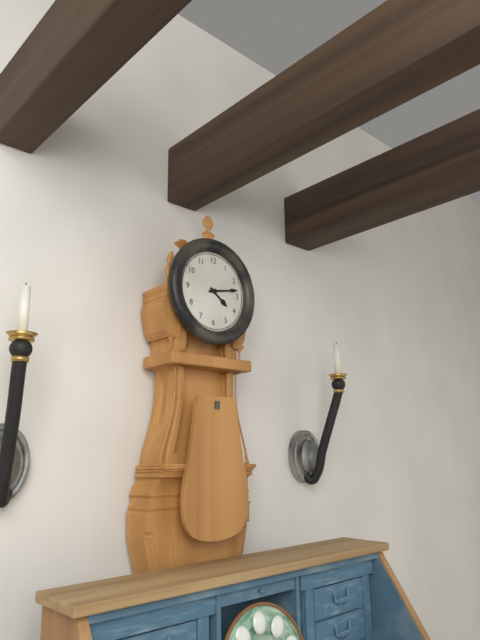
4:13
